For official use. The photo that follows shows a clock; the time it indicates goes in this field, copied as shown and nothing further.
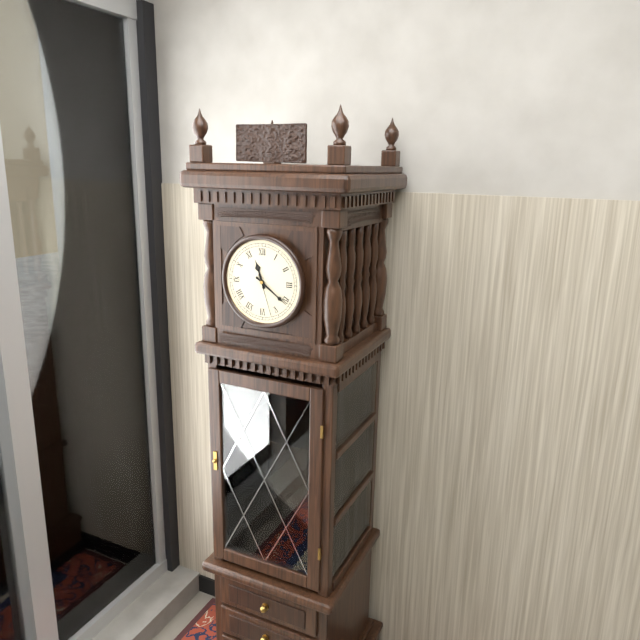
11:21
